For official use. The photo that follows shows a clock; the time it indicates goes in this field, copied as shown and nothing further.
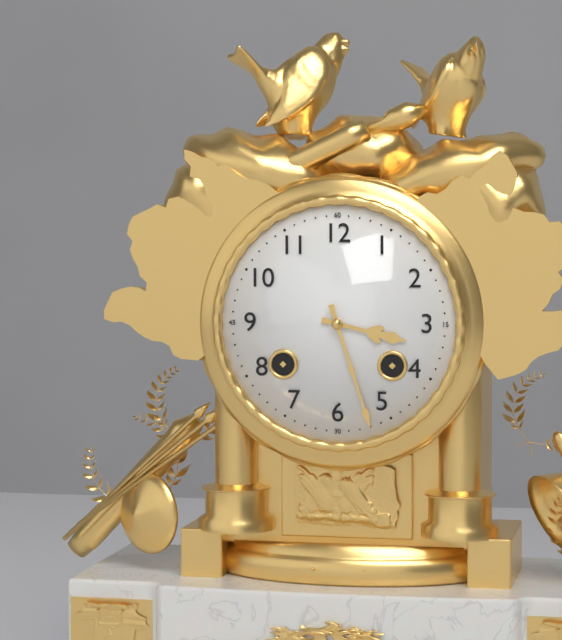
3:27
